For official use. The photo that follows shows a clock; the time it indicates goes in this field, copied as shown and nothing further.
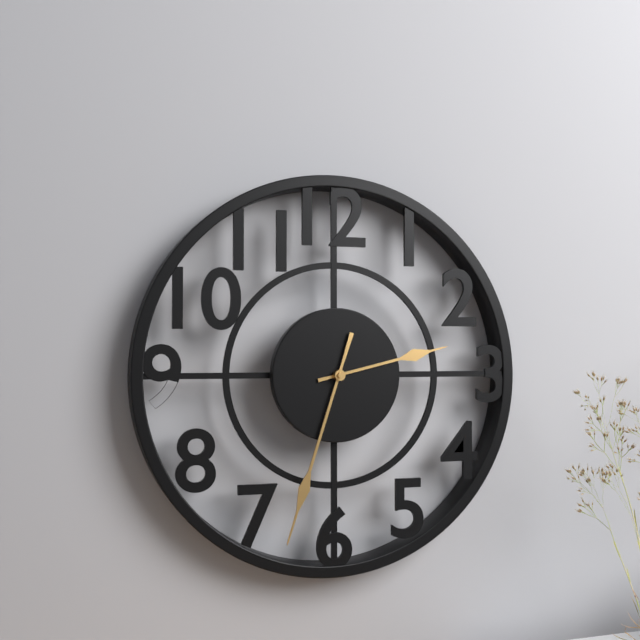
2:33
